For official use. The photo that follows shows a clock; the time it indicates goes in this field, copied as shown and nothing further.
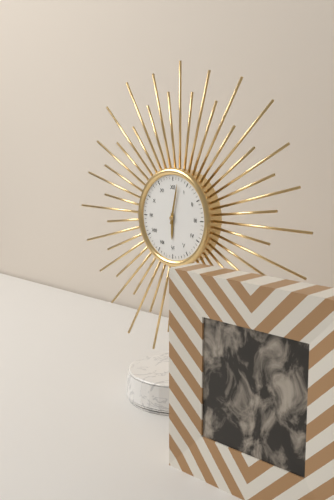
6:02
